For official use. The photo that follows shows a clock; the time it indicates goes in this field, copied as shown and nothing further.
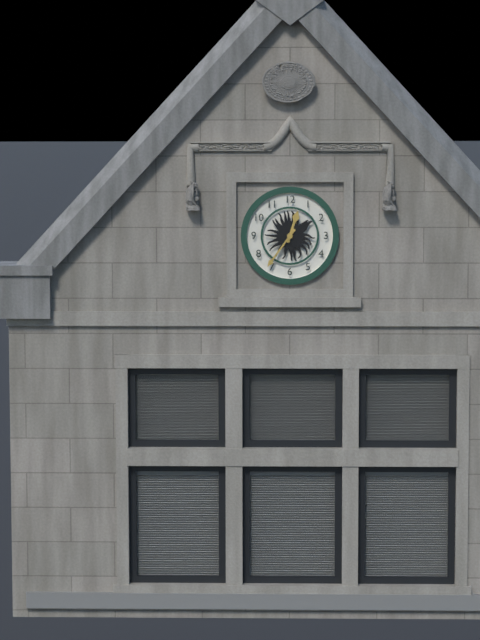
12:36
